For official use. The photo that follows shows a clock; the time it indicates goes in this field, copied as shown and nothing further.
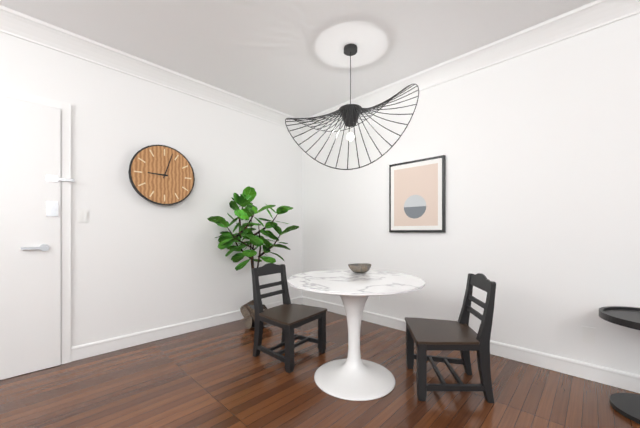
9:03
